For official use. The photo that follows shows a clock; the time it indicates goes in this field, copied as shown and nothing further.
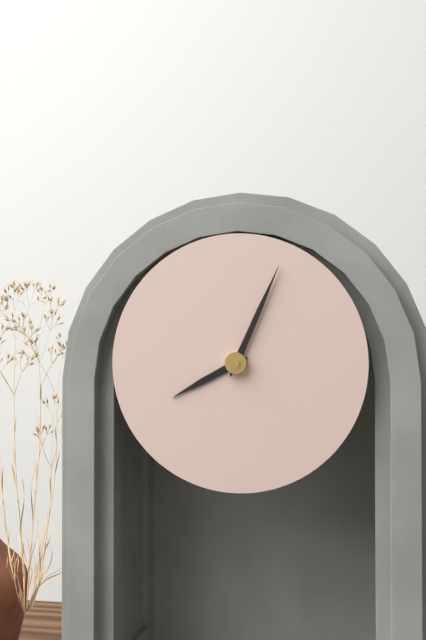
8:04
